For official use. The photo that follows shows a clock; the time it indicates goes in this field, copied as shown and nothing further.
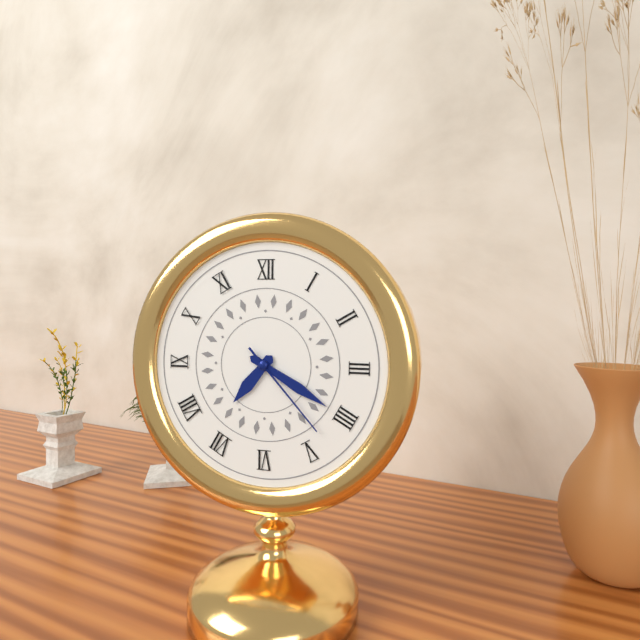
7:20:23
